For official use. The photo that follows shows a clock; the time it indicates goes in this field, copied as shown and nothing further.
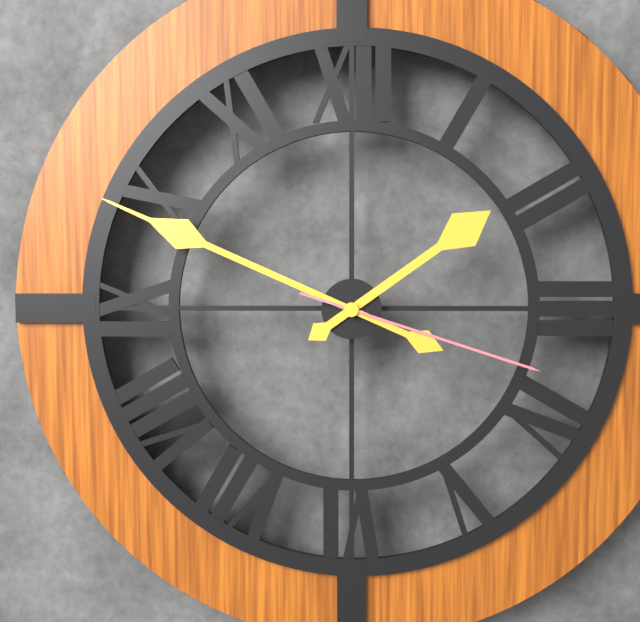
1:49:18
